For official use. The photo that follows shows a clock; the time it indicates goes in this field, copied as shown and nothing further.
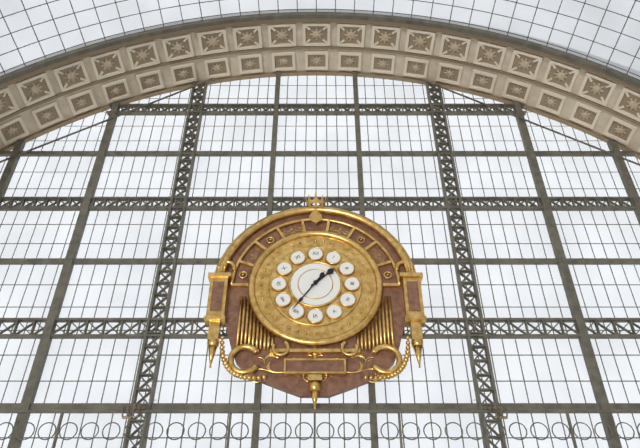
1:36
